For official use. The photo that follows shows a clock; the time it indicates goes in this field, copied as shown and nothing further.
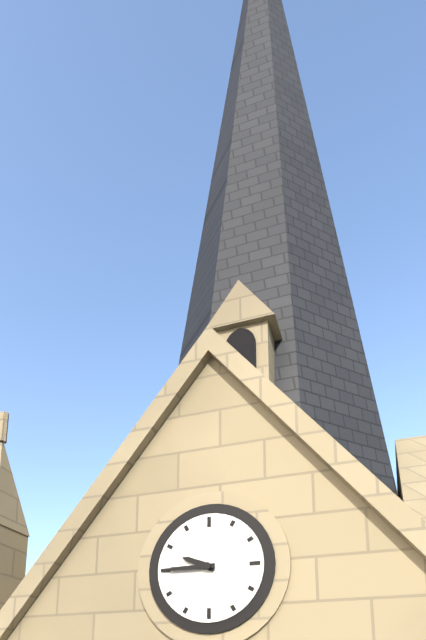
9:45
